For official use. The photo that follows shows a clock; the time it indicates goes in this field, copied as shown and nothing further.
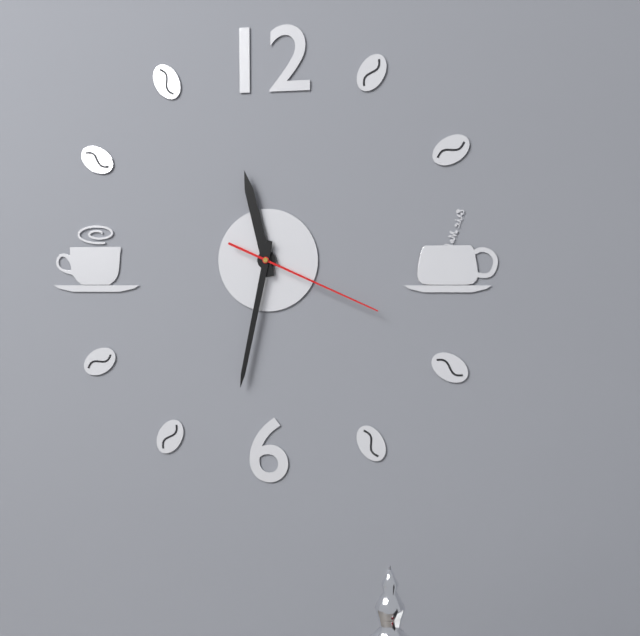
11:32:19
